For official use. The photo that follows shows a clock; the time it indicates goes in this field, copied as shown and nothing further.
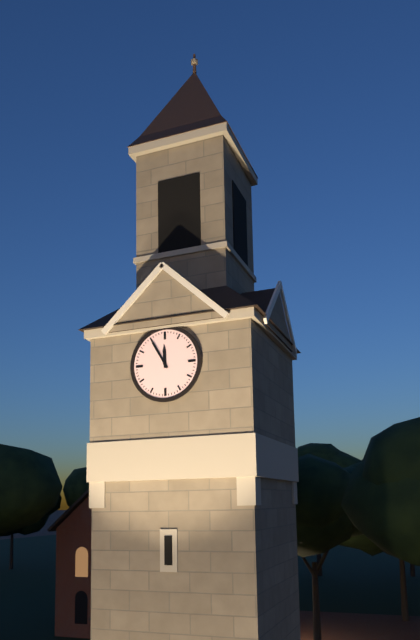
11:55
